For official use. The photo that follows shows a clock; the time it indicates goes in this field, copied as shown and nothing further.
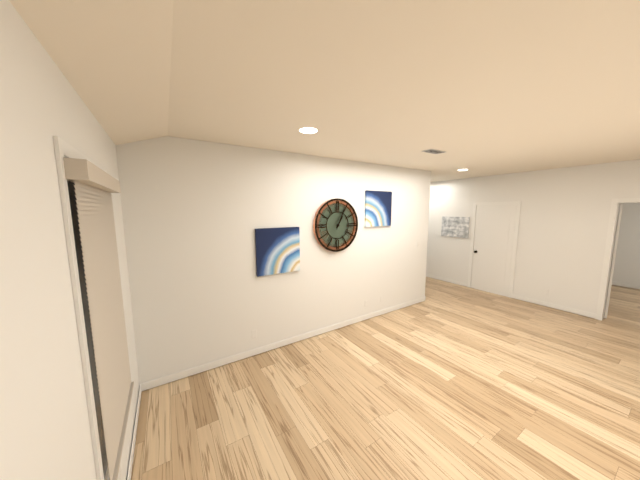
1:04
